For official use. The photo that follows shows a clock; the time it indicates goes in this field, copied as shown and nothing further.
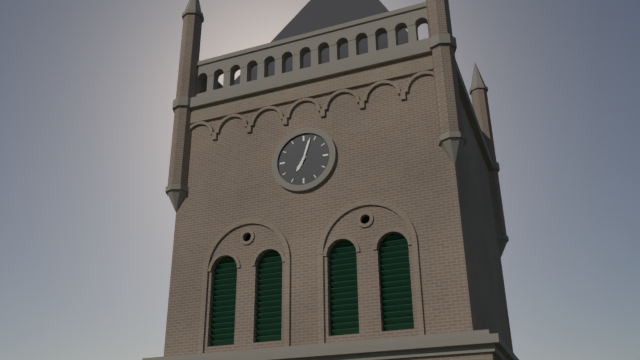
7:03
